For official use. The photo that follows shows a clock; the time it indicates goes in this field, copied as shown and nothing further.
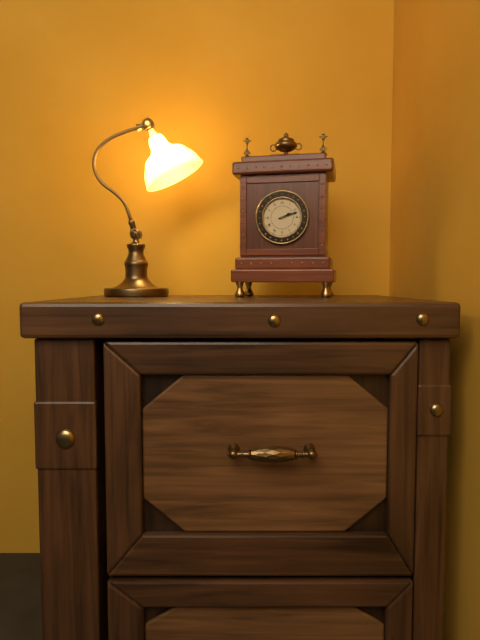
2:12
